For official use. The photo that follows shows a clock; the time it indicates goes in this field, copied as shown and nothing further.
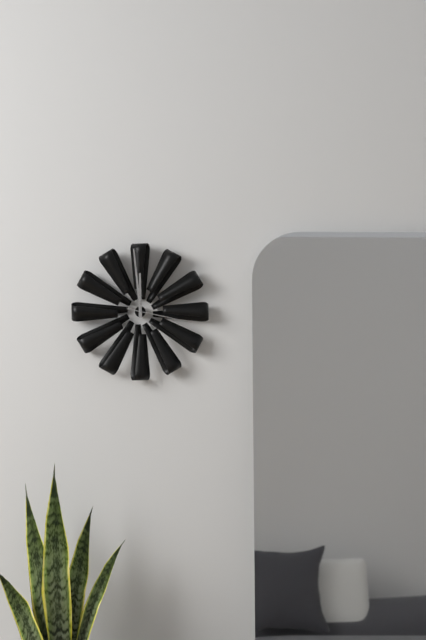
11:59:17
